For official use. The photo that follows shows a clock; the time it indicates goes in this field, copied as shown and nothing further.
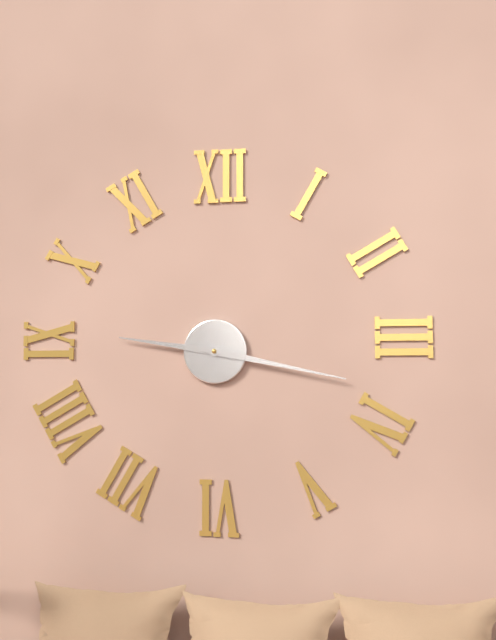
9:17
